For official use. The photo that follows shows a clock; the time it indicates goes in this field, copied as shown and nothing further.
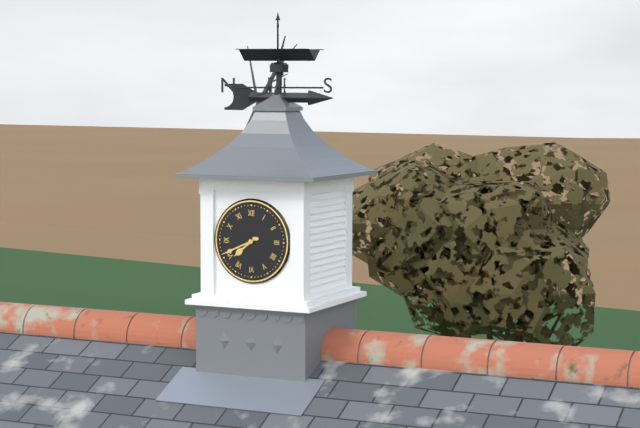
7:41
